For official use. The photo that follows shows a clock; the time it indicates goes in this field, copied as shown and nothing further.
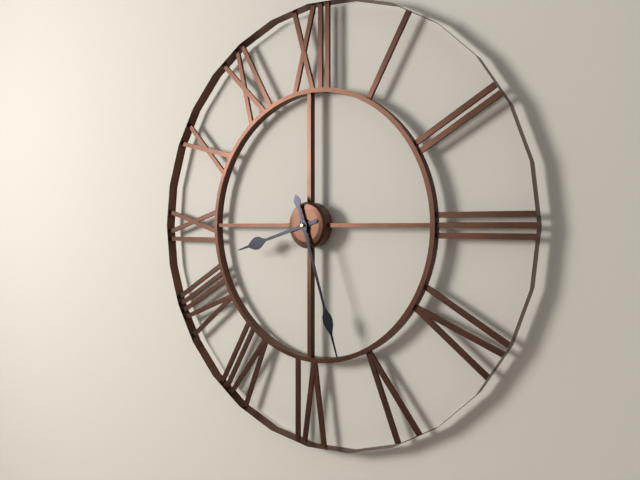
8:27
